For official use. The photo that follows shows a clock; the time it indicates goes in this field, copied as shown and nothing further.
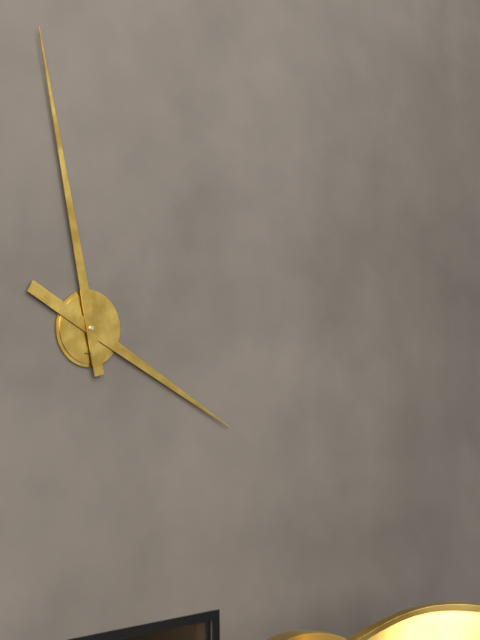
3:58
